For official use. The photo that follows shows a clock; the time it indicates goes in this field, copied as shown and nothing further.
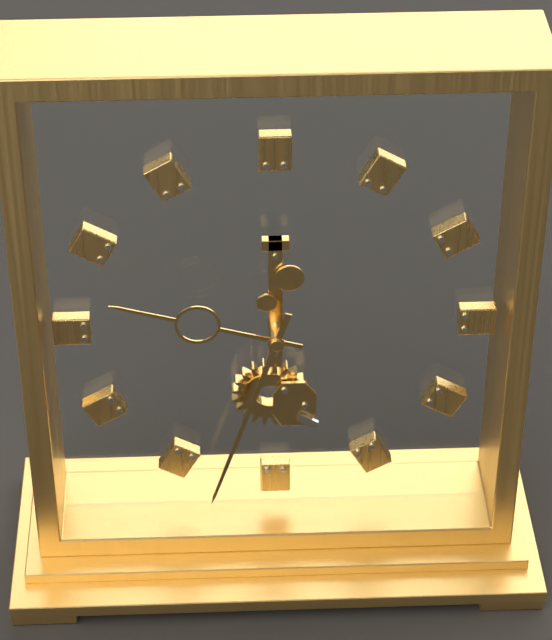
9:33
